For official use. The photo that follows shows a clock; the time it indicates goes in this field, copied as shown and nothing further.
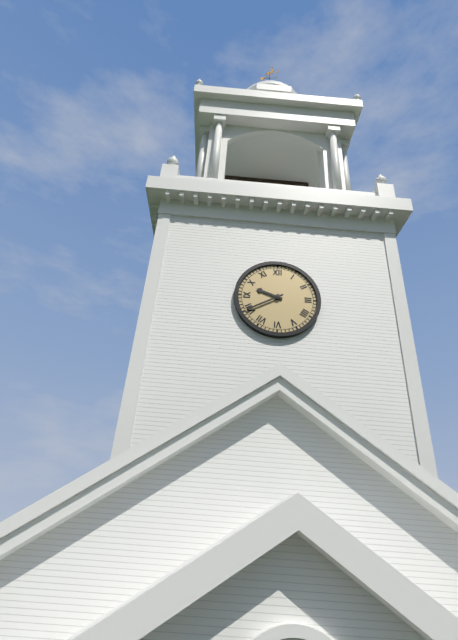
9:40
